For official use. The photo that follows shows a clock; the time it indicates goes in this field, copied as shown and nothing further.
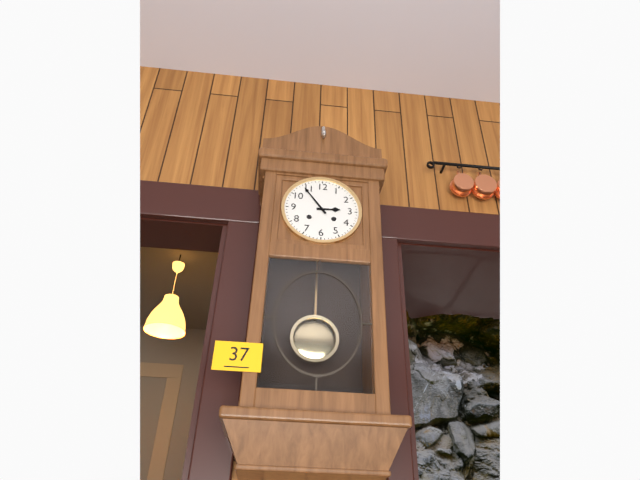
2:54
